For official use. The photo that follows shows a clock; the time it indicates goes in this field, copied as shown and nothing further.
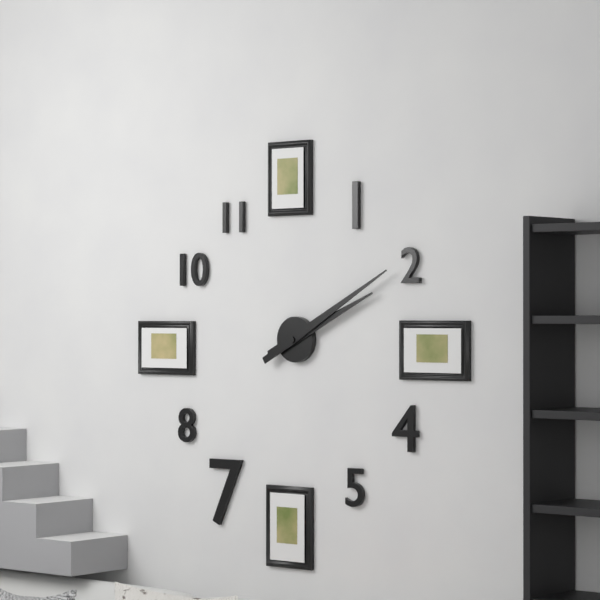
2:10
